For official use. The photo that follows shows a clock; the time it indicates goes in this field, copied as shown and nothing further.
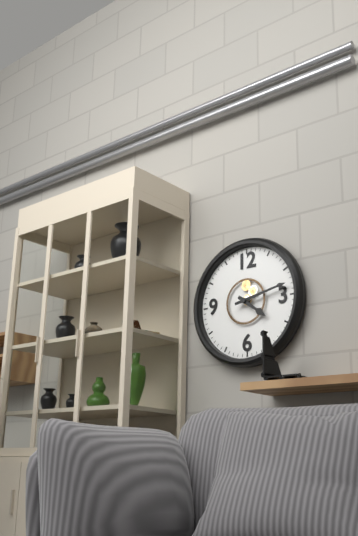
4:13
